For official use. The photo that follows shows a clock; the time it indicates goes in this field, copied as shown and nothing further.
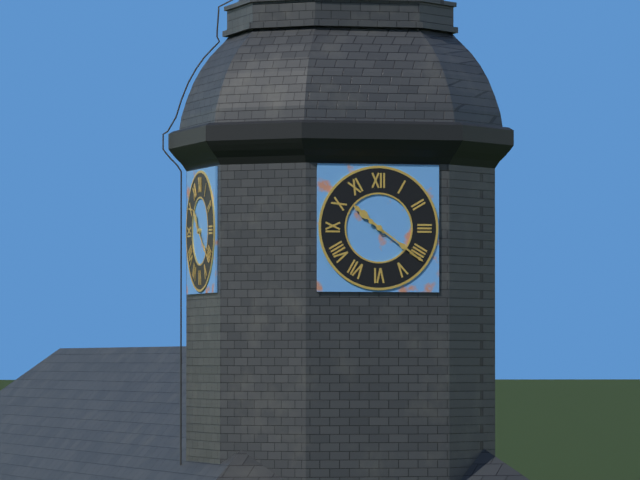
10:21
